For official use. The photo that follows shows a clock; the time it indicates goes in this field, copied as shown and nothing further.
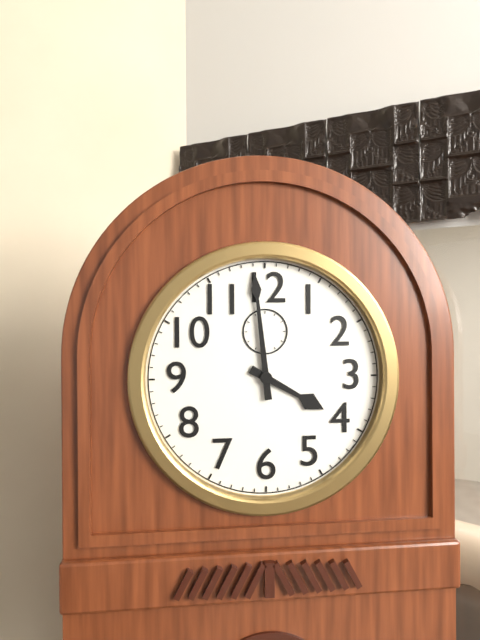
3:59
